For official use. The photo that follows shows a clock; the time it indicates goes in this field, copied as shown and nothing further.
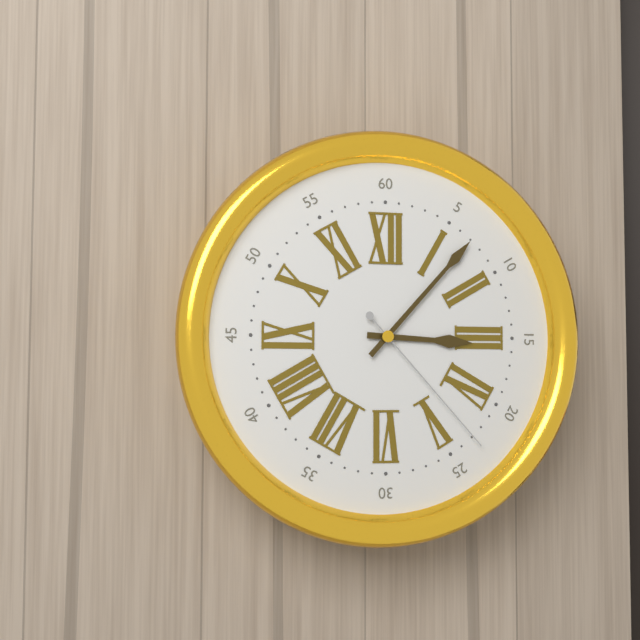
3:07:23
